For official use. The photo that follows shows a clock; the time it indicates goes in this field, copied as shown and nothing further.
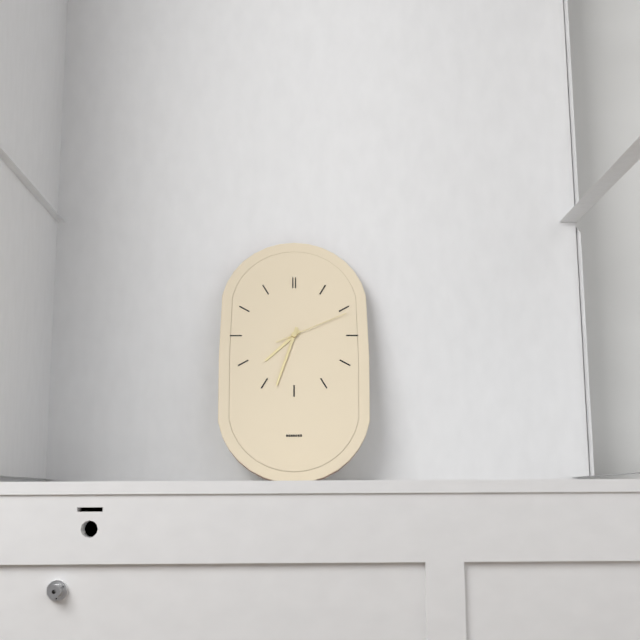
7:33:11
